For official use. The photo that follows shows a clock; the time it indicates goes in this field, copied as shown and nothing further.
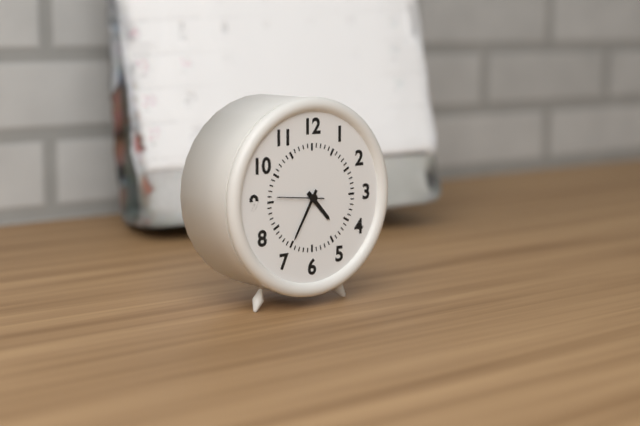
4:35
